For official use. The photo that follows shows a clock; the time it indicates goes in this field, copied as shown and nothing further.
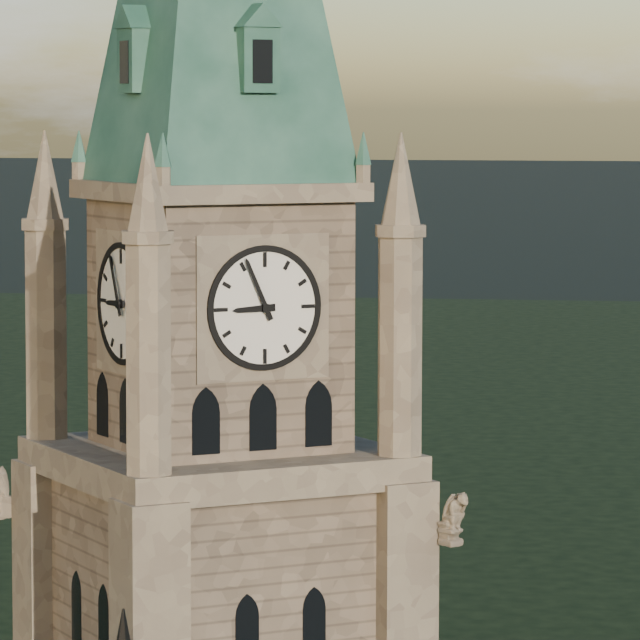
8:56
